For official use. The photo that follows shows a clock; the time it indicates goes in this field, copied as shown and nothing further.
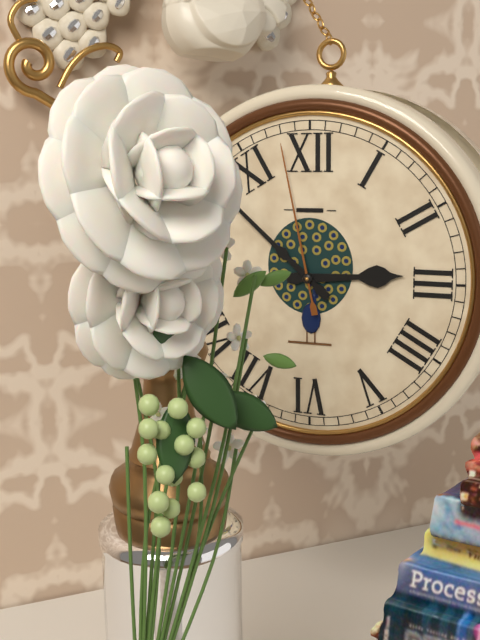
2:52:58
